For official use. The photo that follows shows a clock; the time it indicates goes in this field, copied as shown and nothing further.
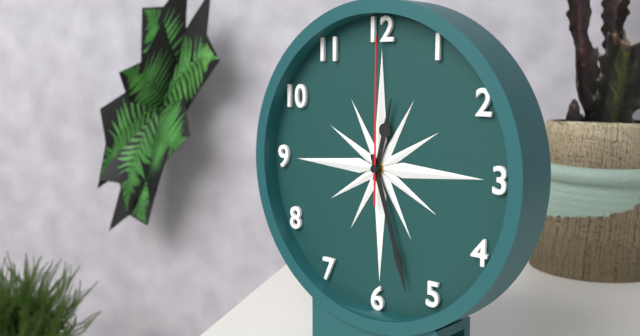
12:27:00
